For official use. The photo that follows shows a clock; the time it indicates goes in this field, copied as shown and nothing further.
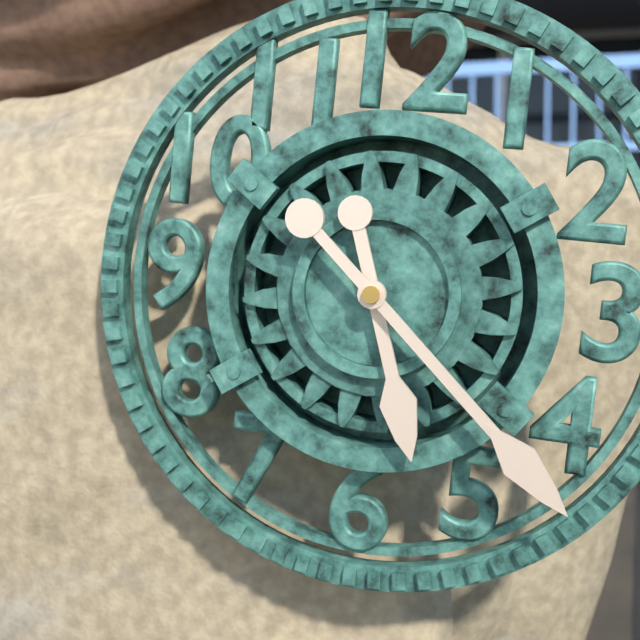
5:22
